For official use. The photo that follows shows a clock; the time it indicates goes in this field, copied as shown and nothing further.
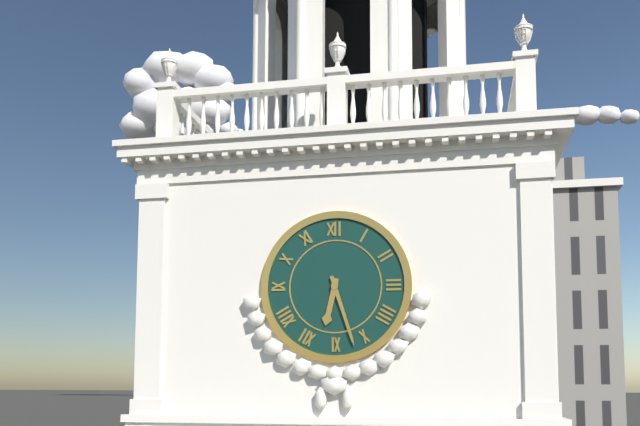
6:27
